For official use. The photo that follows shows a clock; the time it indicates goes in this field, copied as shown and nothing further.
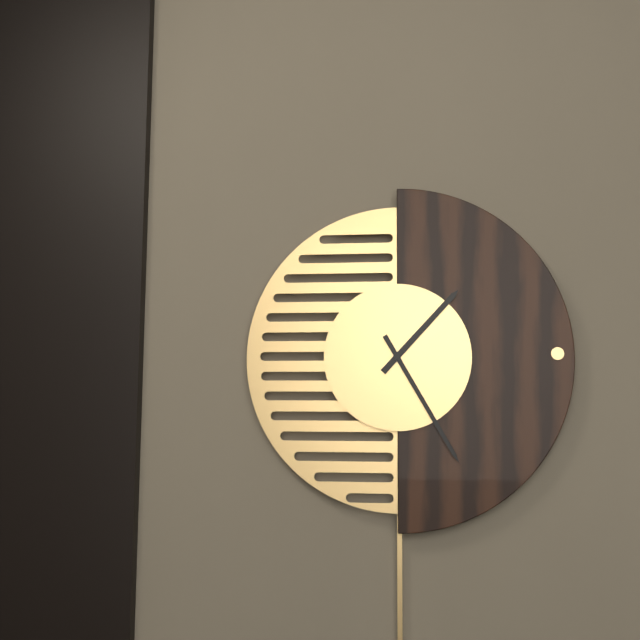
1:25
